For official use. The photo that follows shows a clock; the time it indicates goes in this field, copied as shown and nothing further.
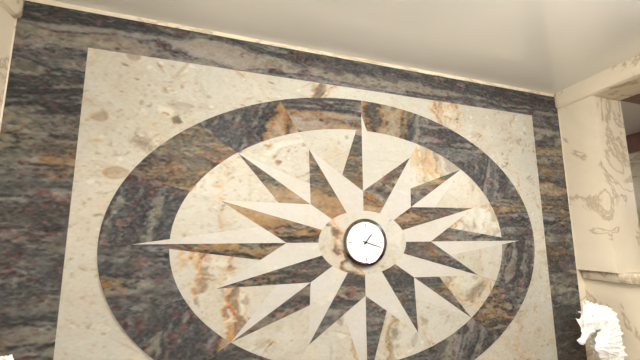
1:18
